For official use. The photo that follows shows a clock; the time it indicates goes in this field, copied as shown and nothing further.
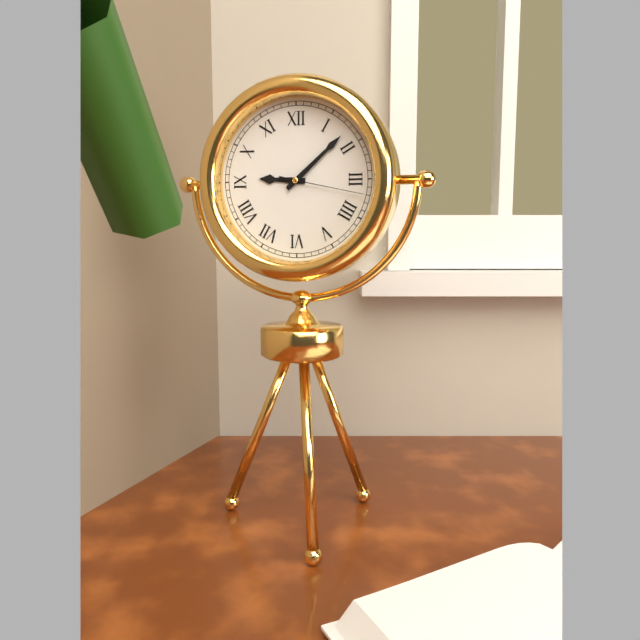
9:08:17
